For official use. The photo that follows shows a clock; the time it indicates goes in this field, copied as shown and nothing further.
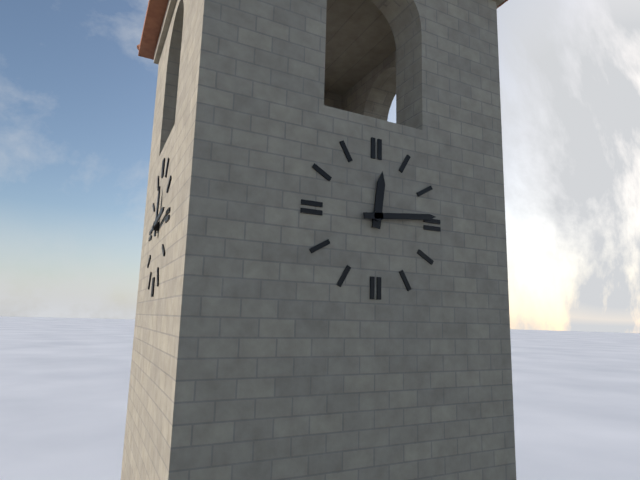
12:14
